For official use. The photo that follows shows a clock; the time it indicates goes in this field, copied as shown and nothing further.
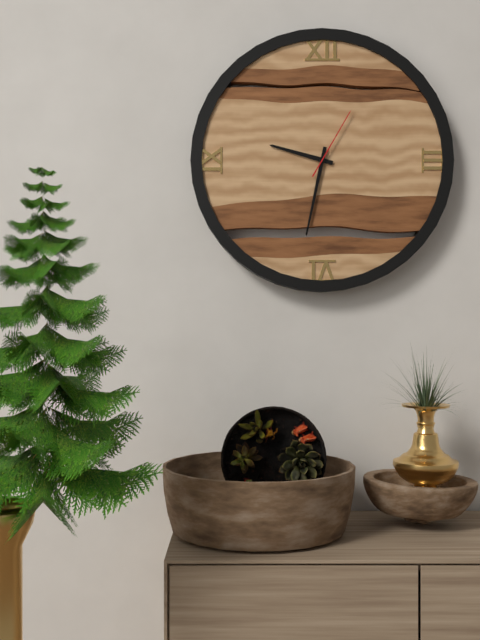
9:32:05
